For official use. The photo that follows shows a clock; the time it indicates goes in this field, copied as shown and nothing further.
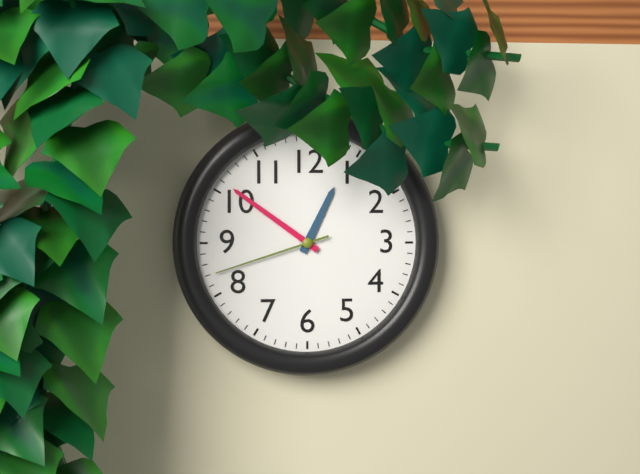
12:51:42
